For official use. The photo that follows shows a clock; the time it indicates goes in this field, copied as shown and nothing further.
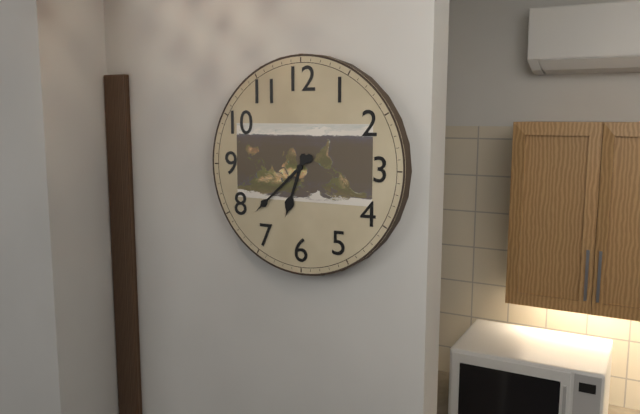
6:38
